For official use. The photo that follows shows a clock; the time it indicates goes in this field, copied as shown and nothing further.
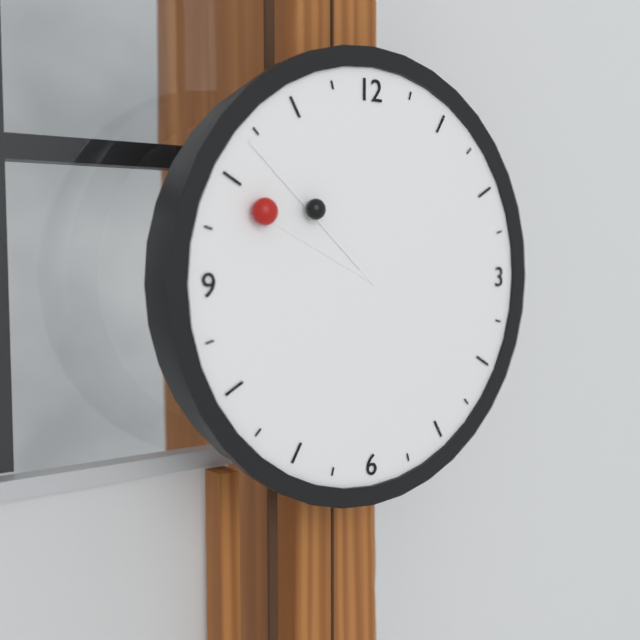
9:52
